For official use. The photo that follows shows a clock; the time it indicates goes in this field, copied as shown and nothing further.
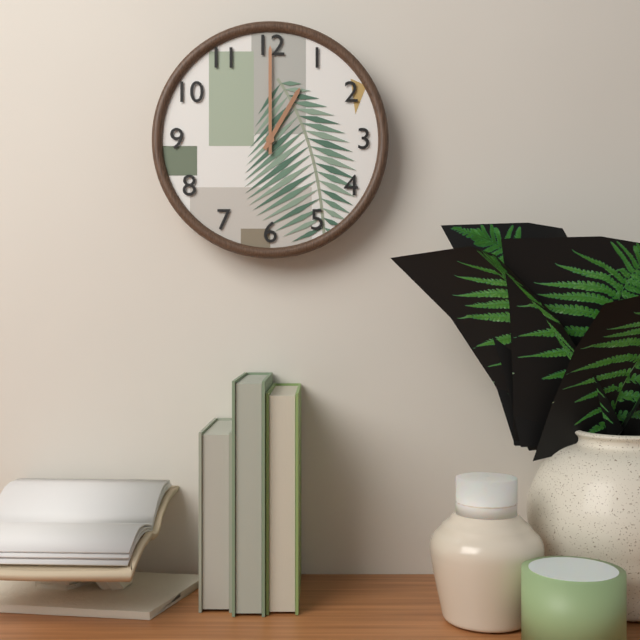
1:00
